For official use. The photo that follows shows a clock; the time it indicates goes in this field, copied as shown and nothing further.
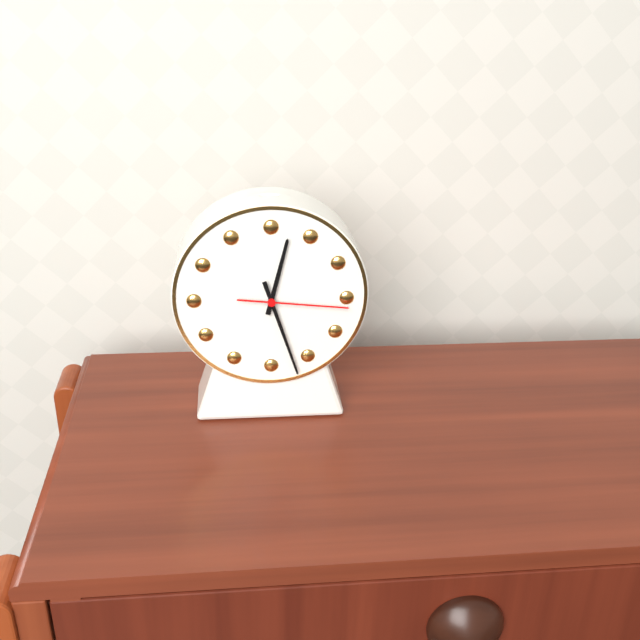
12:27:16
